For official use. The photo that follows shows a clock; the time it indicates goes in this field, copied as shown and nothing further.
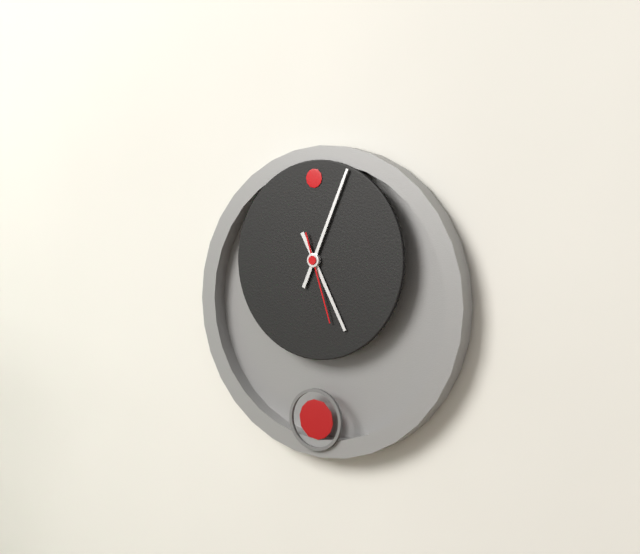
5:04:27
